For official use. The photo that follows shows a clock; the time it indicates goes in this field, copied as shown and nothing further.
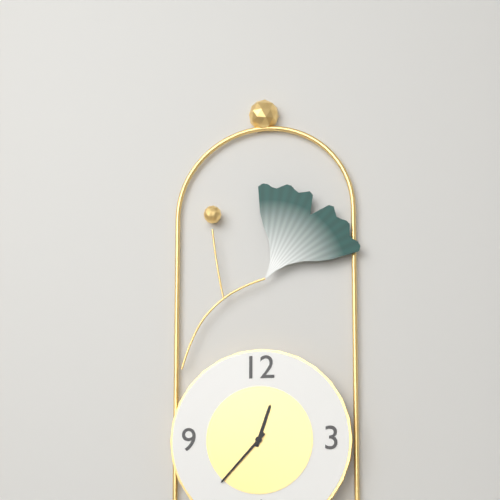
12:37
